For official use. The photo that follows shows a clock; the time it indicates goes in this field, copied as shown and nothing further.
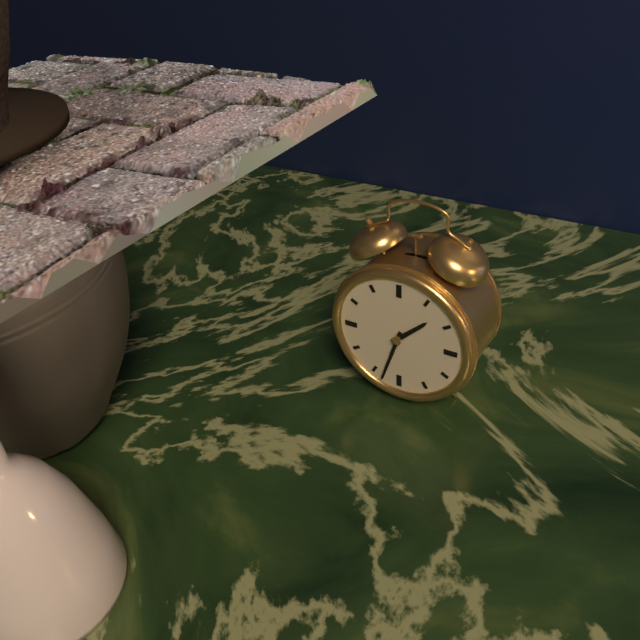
1:33
